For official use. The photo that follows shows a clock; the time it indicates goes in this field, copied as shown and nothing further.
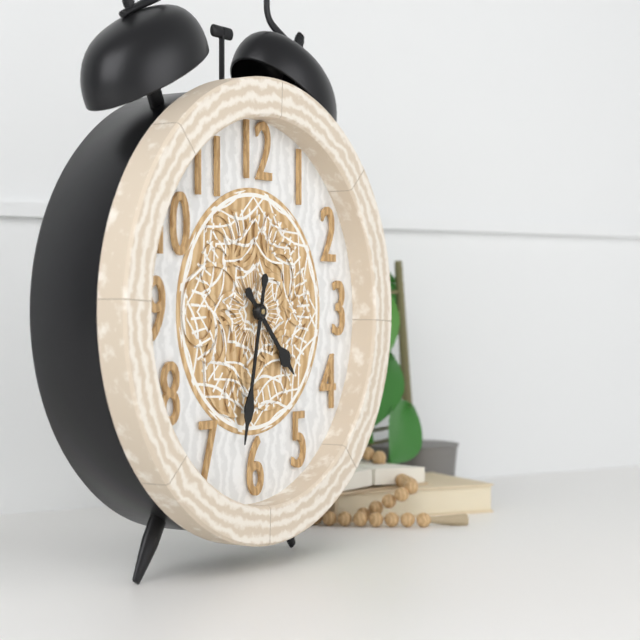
4:32
